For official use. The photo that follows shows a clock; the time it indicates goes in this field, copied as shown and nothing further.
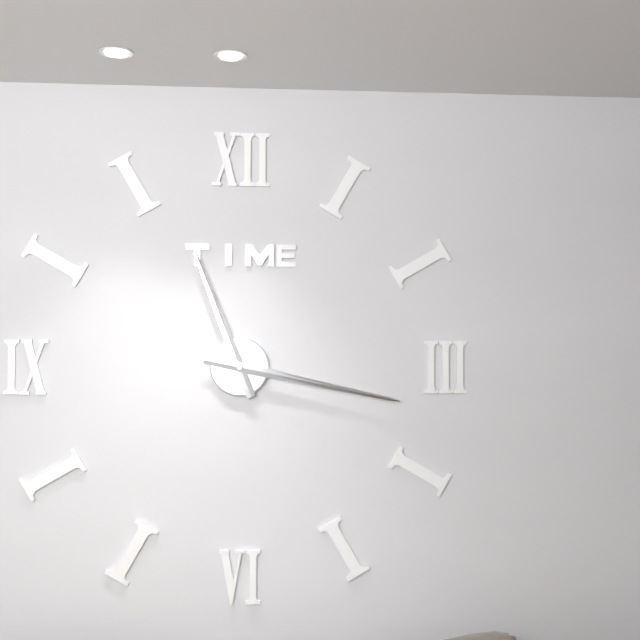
11:17
